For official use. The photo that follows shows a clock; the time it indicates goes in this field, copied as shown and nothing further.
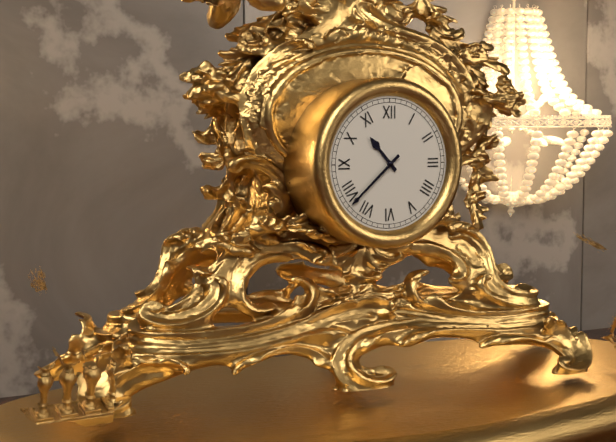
10:38
